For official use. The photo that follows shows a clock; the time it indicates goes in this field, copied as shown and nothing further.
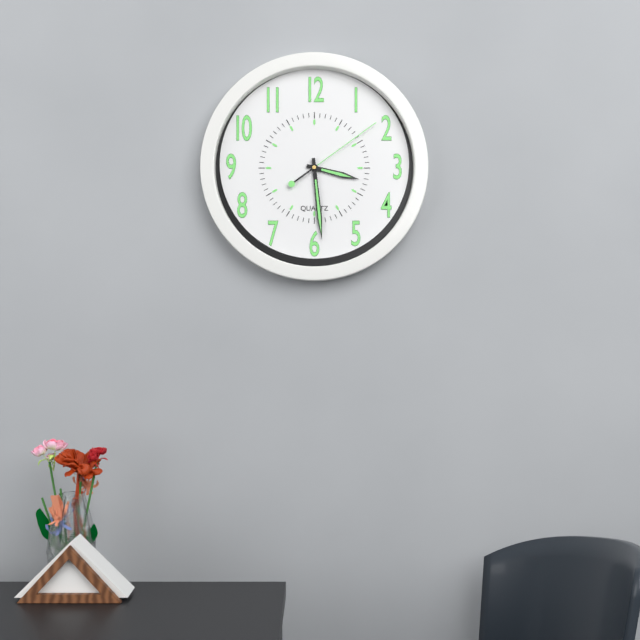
3:29:09
